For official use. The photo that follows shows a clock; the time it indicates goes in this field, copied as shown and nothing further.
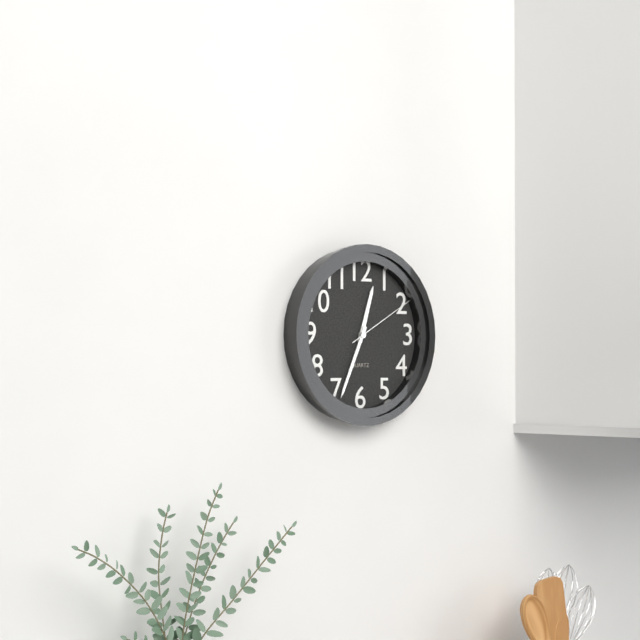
12:34:10
